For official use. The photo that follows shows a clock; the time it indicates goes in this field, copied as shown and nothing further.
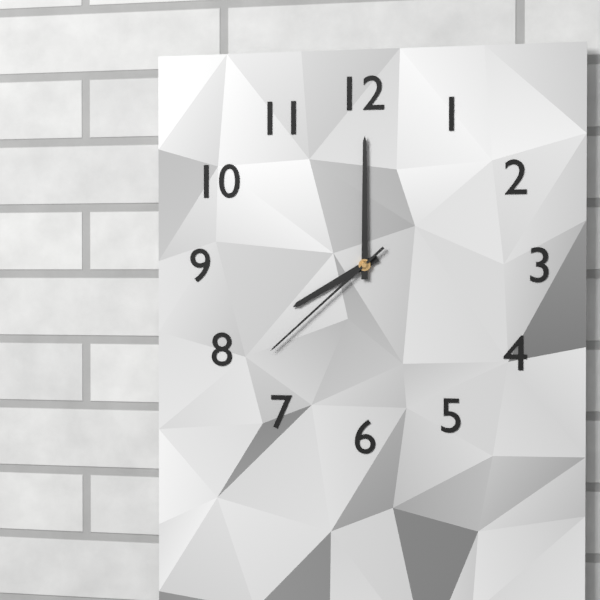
8:00:38
